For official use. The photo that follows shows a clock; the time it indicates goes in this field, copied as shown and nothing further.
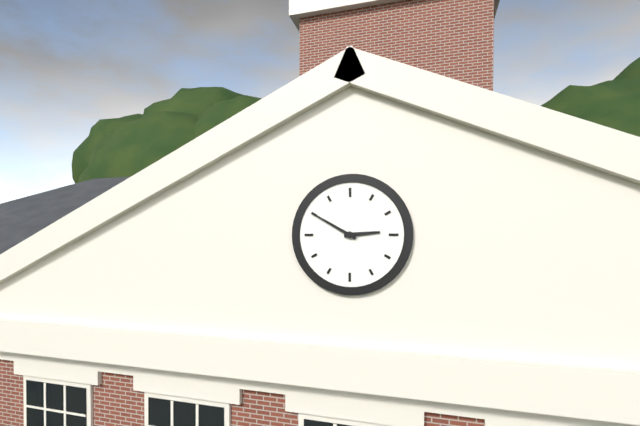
2:50
